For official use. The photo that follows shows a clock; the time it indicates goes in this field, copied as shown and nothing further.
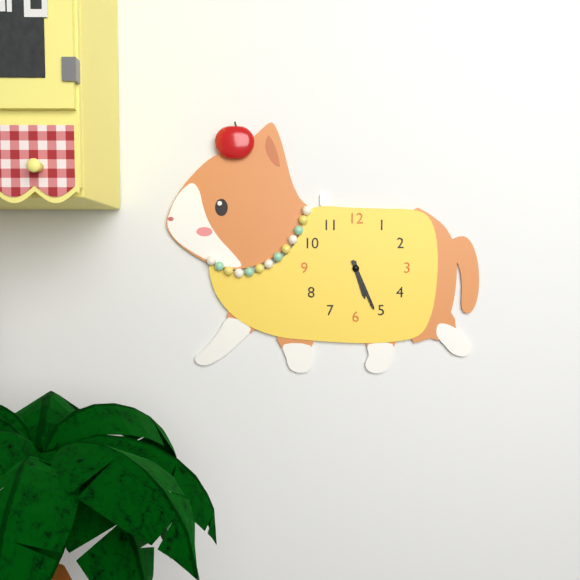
5:26
